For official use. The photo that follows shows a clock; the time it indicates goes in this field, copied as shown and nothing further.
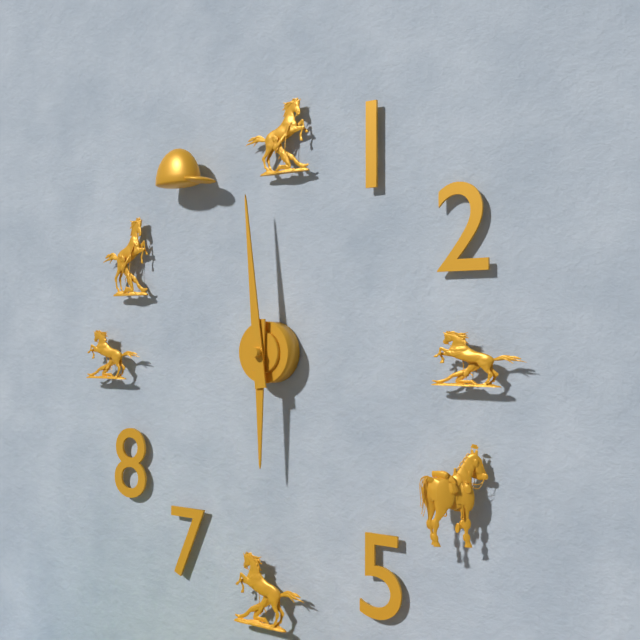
5:59
